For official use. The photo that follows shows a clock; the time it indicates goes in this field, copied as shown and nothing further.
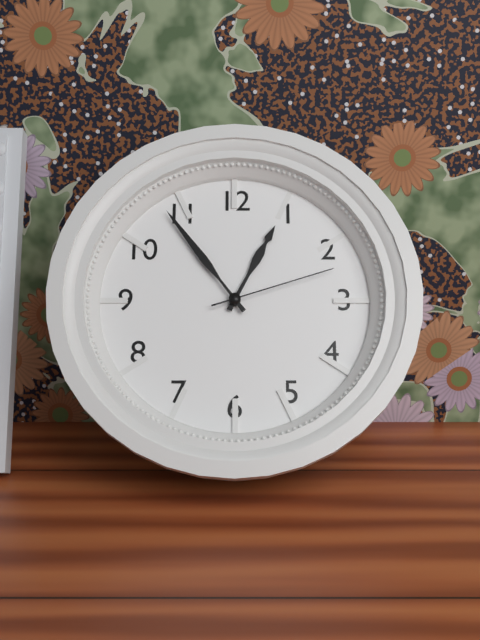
12:54:12
